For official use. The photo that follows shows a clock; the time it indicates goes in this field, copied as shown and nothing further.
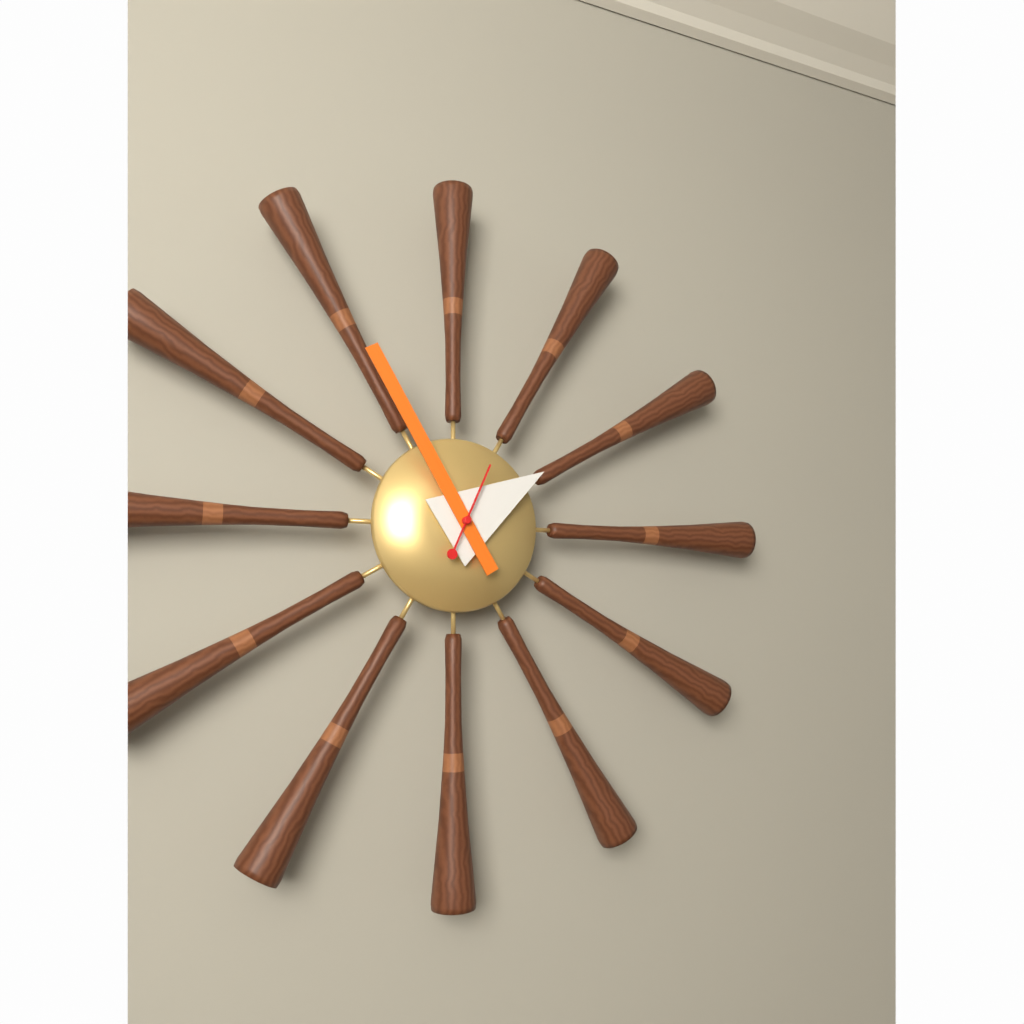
1:55:04
